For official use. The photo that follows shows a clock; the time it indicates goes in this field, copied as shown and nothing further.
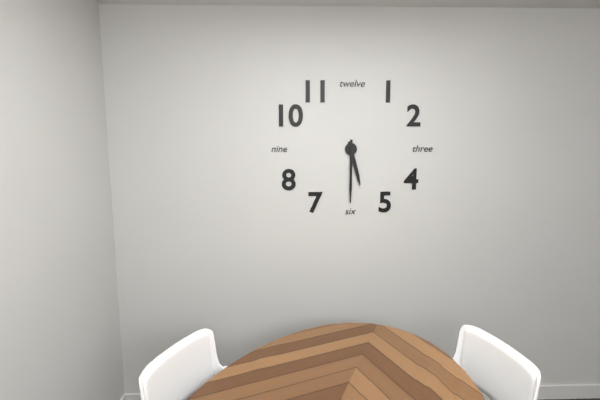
5:30
